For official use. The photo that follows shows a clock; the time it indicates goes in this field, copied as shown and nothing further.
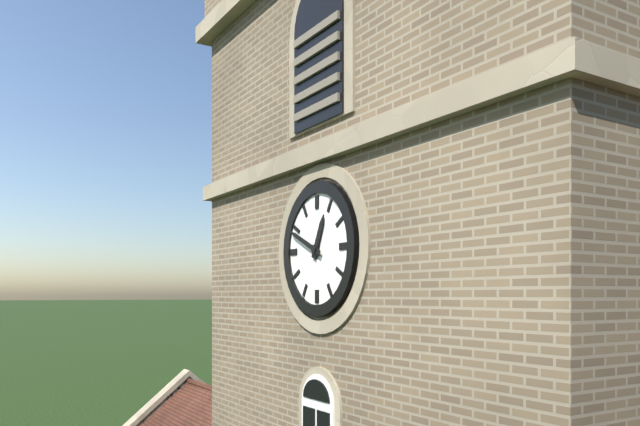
12:49
